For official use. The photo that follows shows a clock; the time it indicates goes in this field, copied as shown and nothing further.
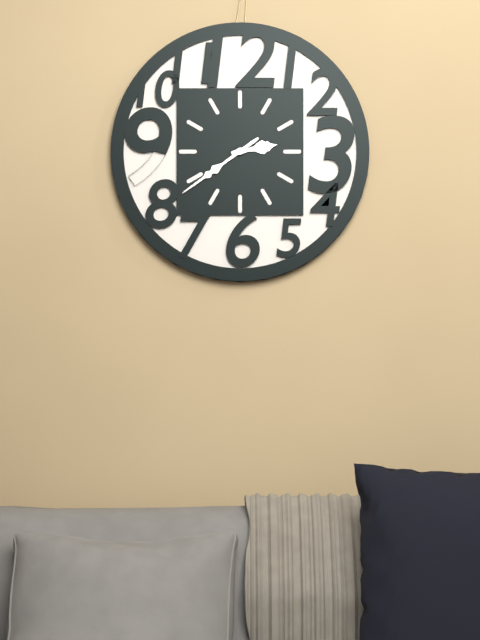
2:39
